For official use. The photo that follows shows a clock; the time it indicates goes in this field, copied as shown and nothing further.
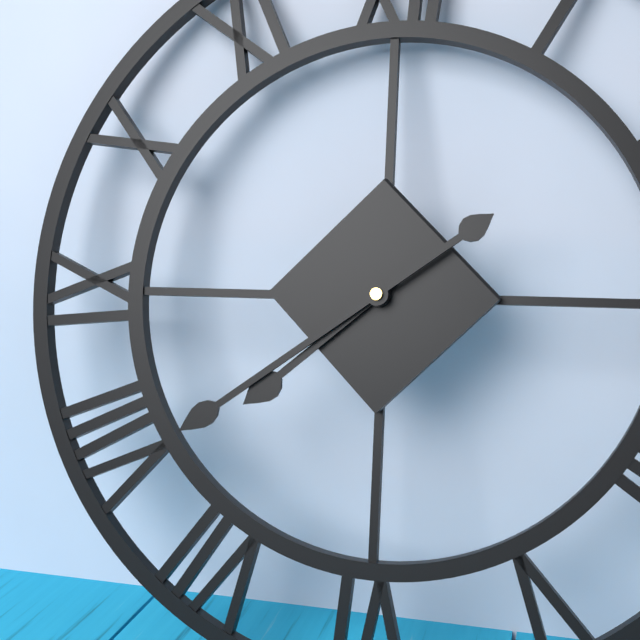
7:39
